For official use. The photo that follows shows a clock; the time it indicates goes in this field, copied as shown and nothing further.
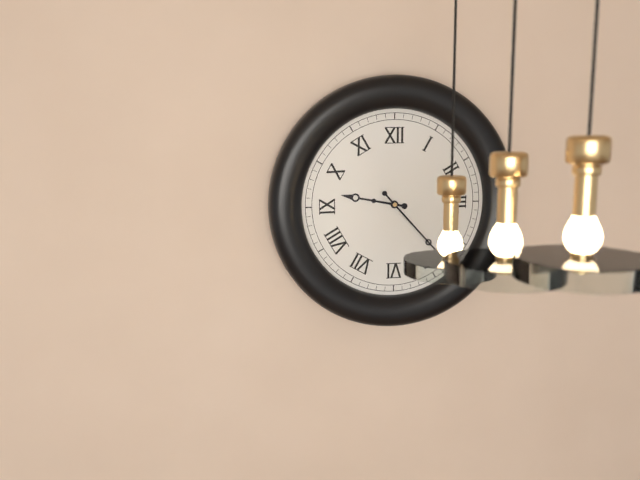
9:23
